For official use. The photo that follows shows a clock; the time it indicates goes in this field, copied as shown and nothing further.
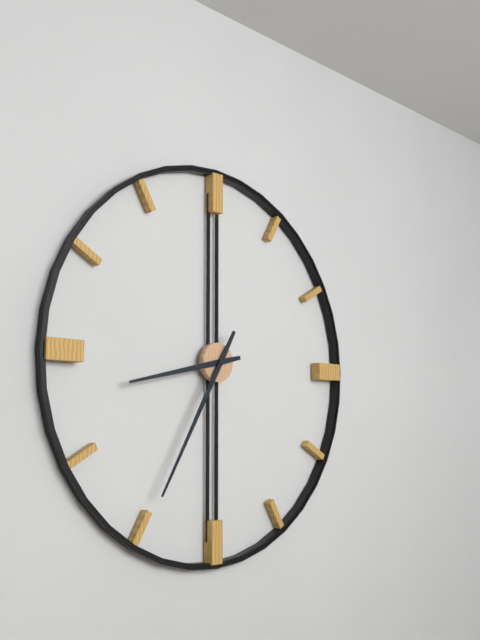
8:35
